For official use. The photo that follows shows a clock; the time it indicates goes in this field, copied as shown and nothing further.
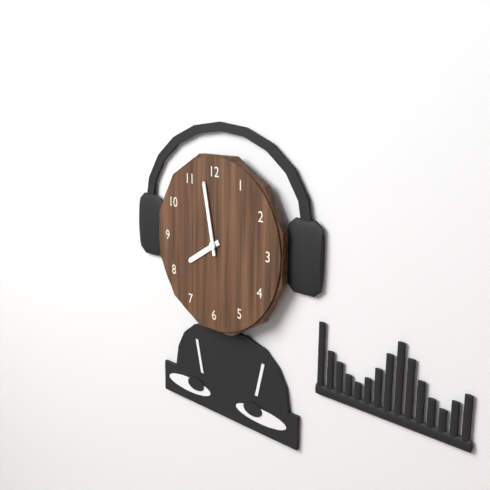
7:58
